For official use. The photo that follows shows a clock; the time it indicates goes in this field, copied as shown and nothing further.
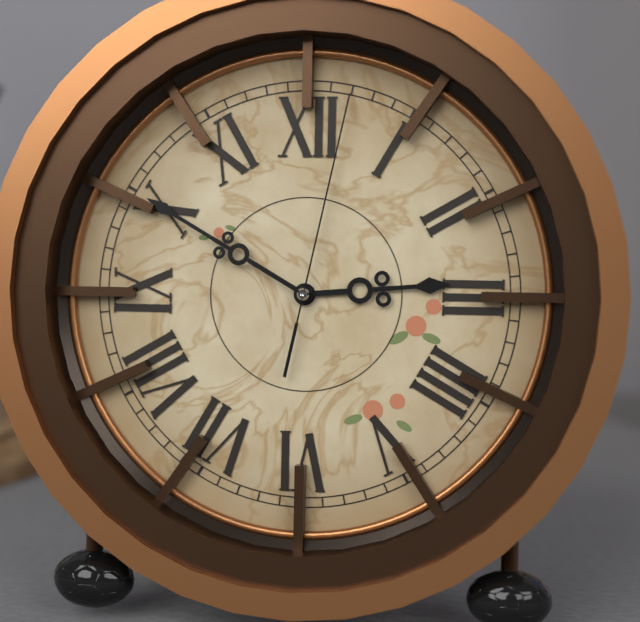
2:50:02
